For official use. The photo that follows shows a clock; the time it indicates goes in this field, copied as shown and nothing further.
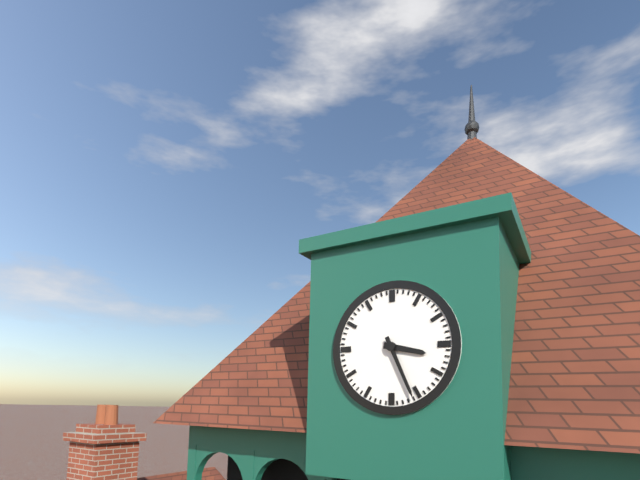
3:26
